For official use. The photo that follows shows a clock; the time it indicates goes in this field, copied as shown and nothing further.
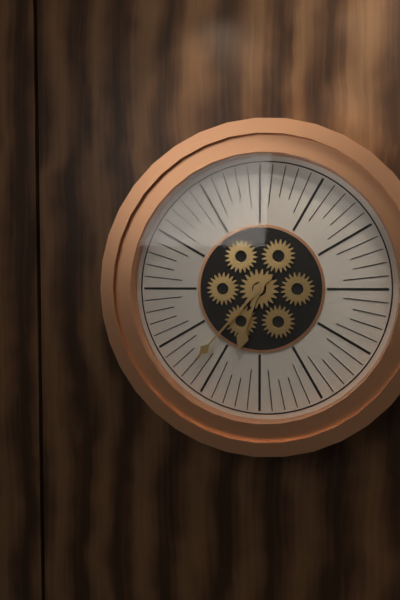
6:37
